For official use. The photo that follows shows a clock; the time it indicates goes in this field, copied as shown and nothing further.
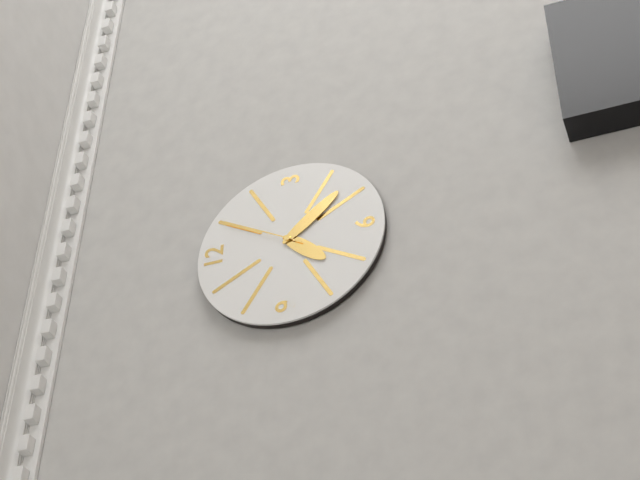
7:23:05
